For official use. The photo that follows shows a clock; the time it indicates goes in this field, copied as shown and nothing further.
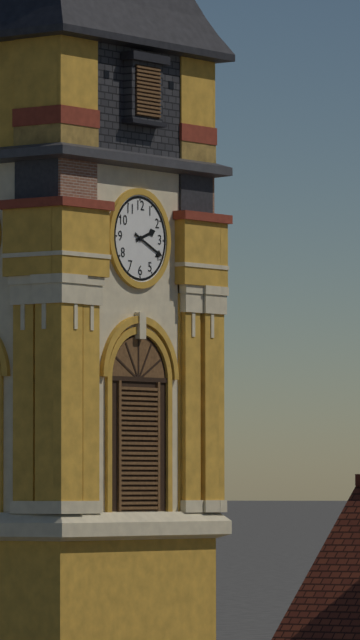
2:19
